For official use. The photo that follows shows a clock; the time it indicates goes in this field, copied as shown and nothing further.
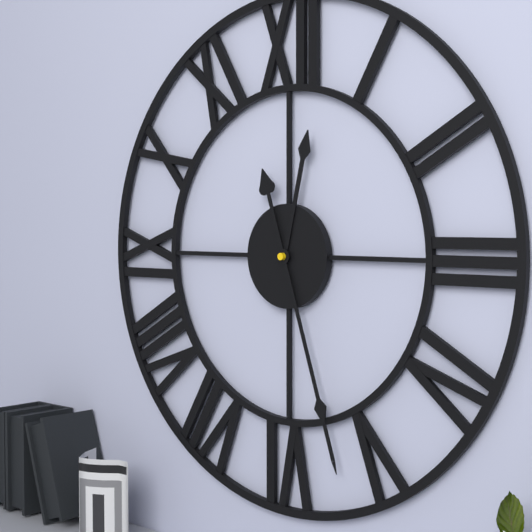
12:27
